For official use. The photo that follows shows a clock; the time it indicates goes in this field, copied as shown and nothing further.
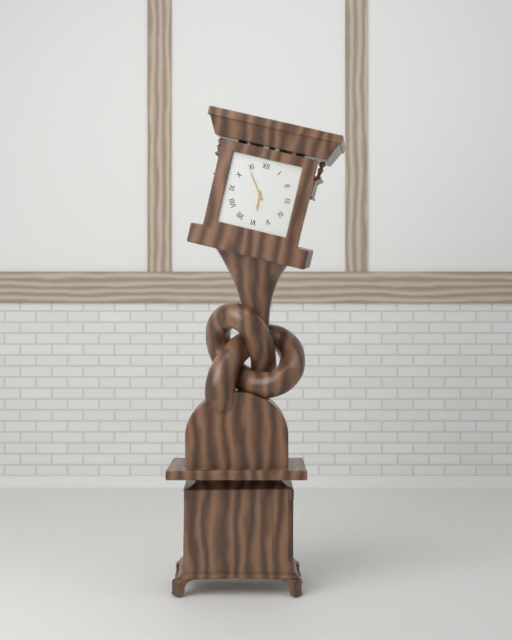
5:54
